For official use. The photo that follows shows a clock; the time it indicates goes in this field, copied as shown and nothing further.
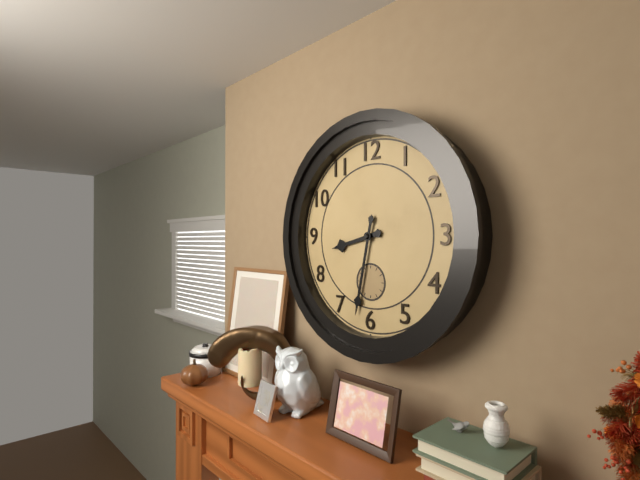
8:32
